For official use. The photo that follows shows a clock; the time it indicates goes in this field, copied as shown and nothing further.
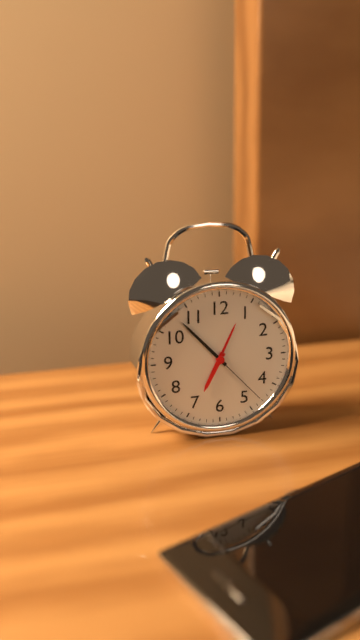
6:53:23
